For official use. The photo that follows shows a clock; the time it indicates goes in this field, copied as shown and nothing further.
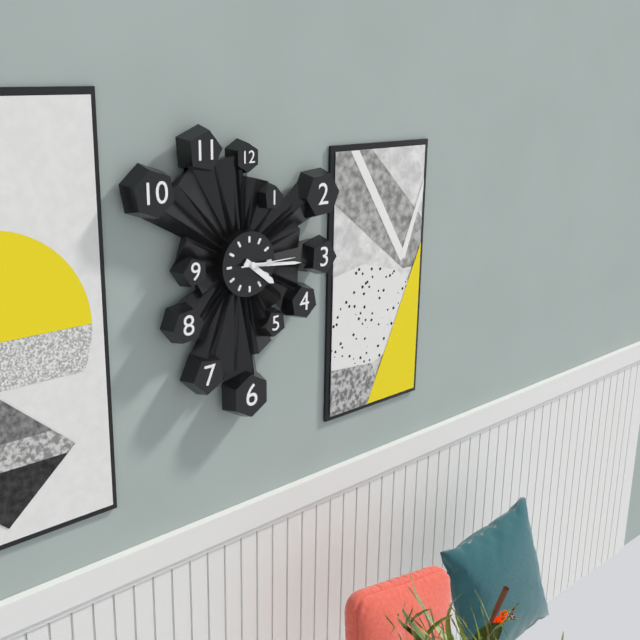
4:16:15
